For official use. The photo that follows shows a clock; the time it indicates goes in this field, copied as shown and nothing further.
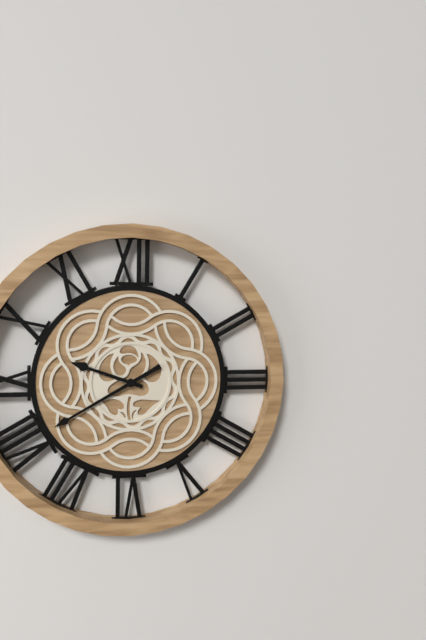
9:40
